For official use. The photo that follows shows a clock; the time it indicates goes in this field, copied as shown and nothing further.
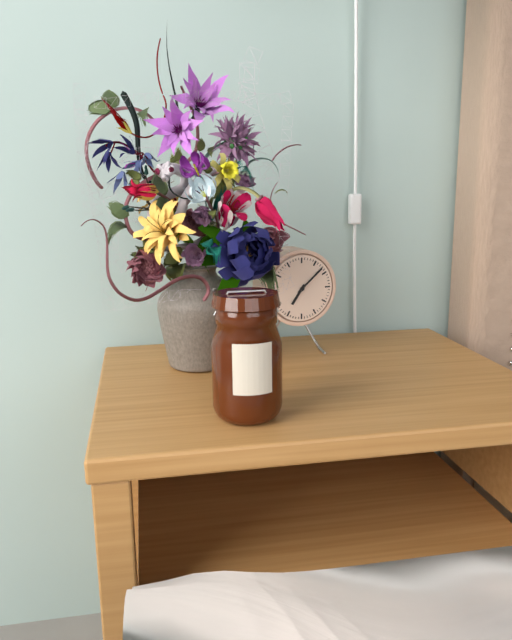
7:08
